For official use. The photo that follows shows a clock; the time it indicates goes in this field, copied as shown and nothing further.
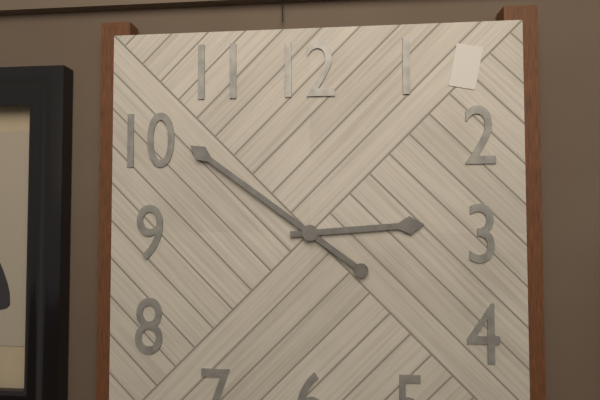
2:51
